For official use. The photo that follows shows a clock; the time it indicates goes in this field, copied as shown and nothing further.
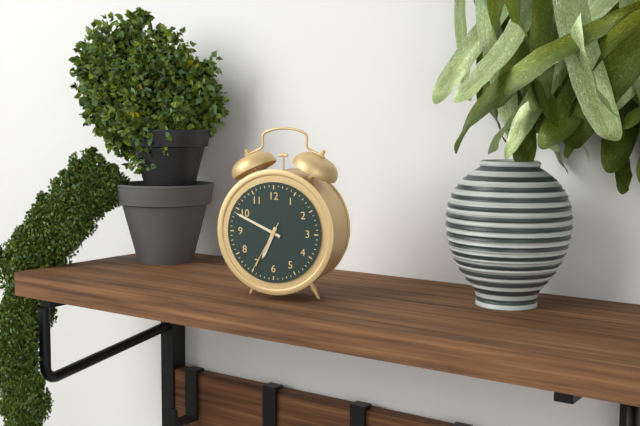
6:49:35
